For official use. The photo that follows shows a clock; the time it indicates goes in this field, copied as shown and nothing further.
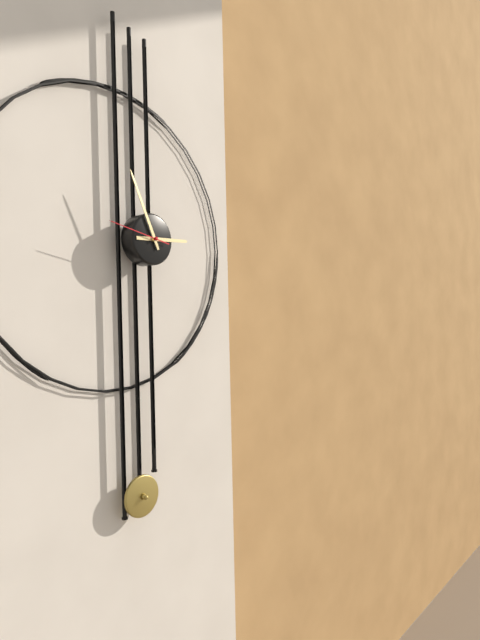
2:56:47
